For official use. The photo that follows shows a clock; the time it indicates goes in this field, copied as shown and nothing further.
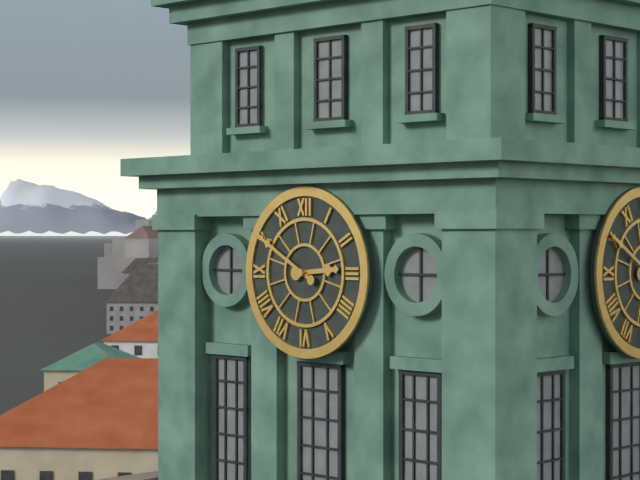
2:50
